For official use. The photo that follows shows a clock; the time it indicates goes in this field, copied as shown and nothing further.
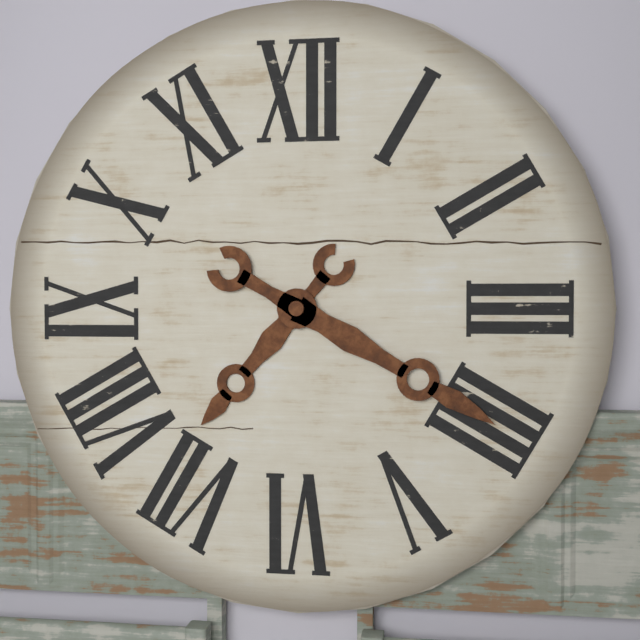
7:20
